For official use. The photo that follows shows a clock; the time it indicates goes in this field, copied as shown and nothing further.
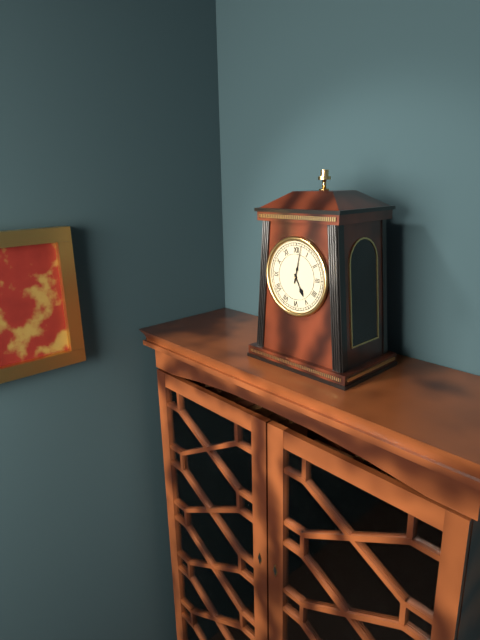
5:02
